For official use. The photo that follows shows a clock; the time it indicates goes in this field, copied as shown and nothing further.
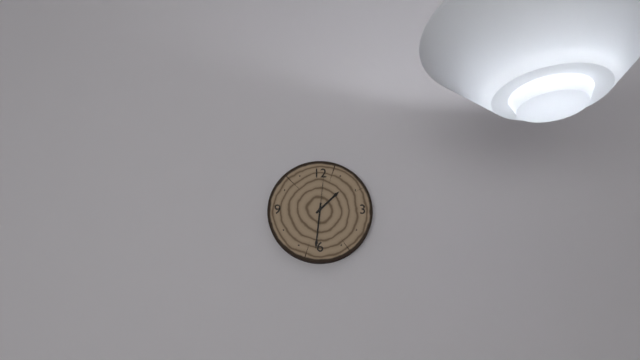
1:31
